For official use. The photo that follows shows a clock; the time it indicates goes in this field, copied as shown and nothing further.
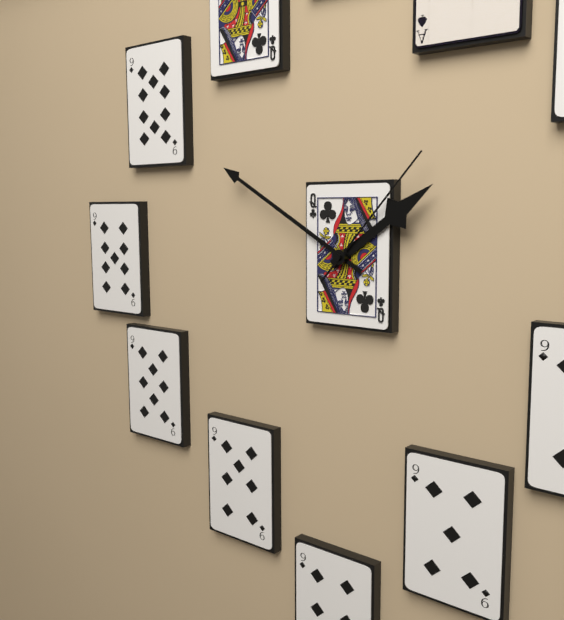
1:50:07
